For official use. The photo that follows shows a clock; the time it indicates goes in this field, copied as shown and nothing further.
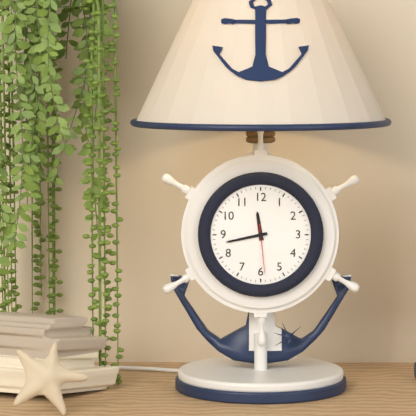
11:43:29
